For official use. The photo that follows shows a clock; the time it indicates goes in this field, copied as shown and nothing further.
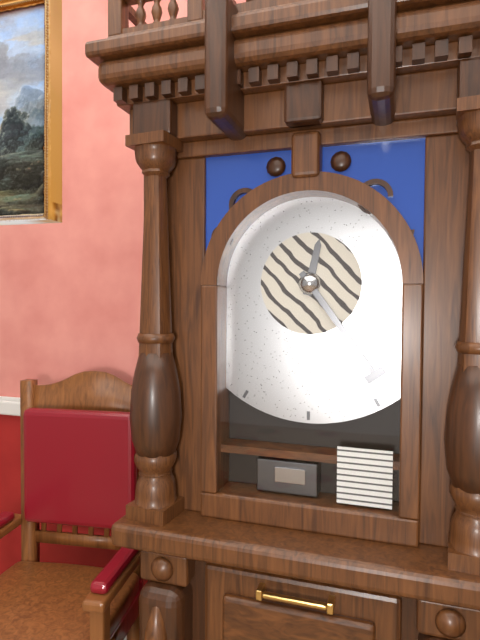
12:24
